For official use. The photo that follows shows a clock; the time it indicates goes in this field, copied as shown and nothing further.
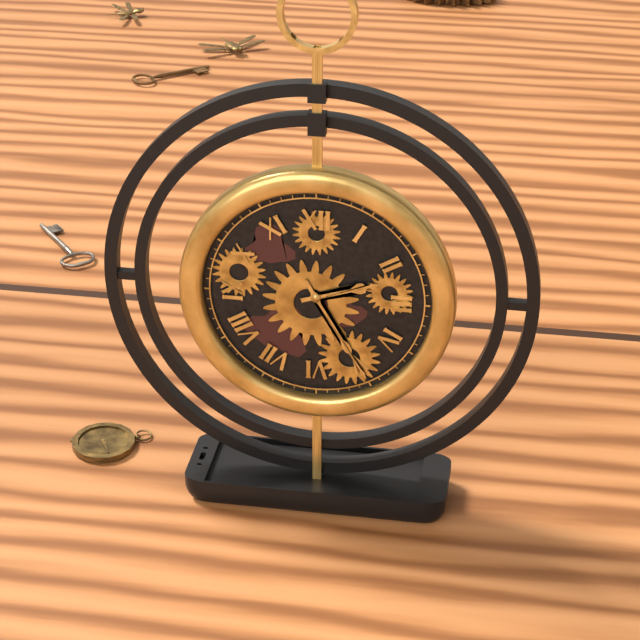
2:25
